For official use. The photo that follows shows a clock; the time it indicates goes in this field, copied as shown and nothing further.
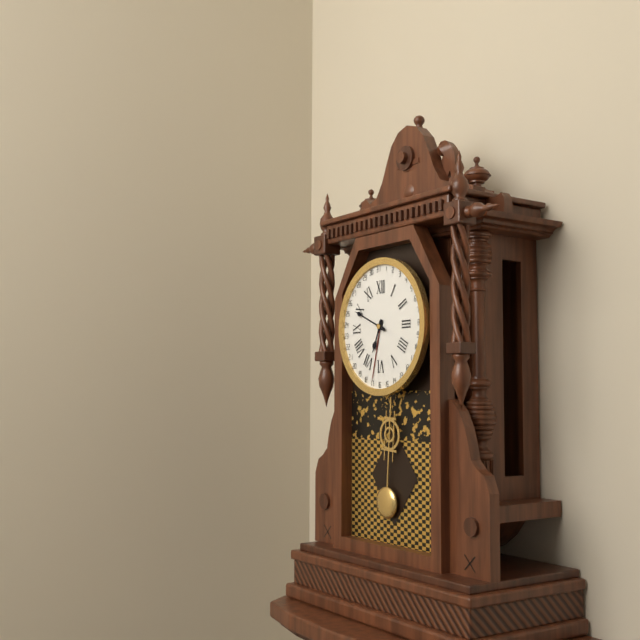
6:49
